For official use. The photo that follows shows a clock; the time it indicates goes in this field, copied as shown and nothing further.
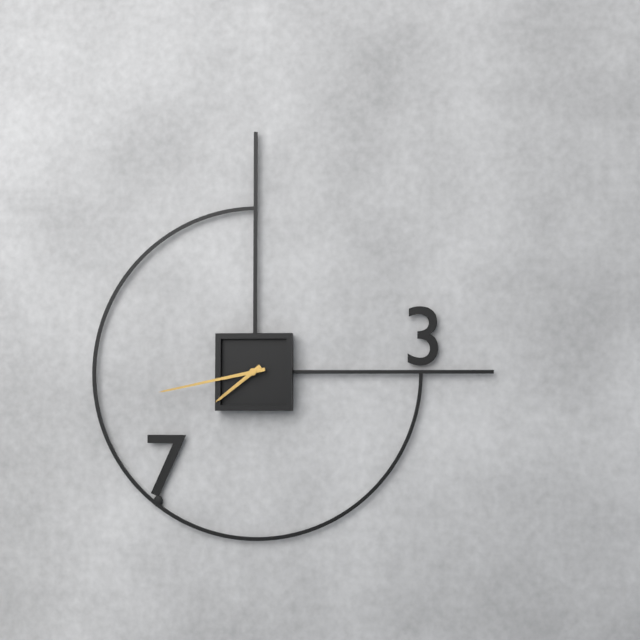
7:43
